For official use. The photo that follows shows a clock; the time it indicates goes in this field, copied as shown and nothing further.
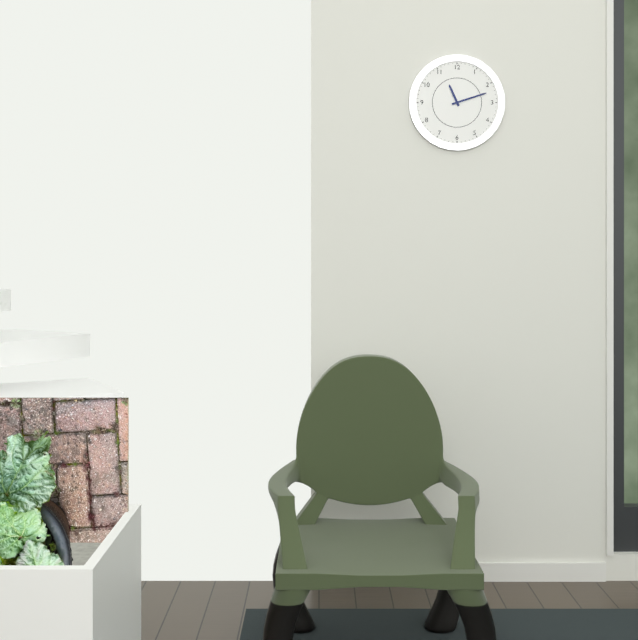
11:12
